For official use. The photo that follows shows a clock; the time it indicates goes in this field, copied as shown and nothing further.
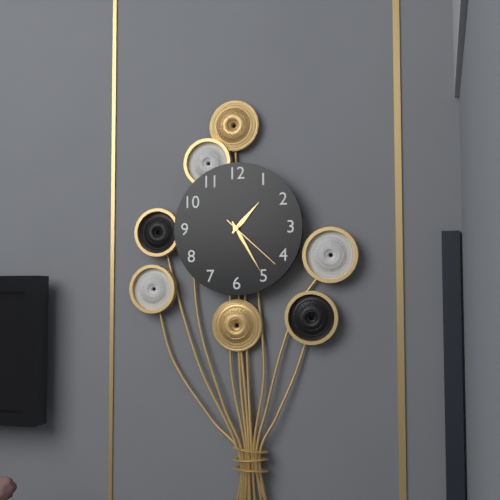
1:25:22
